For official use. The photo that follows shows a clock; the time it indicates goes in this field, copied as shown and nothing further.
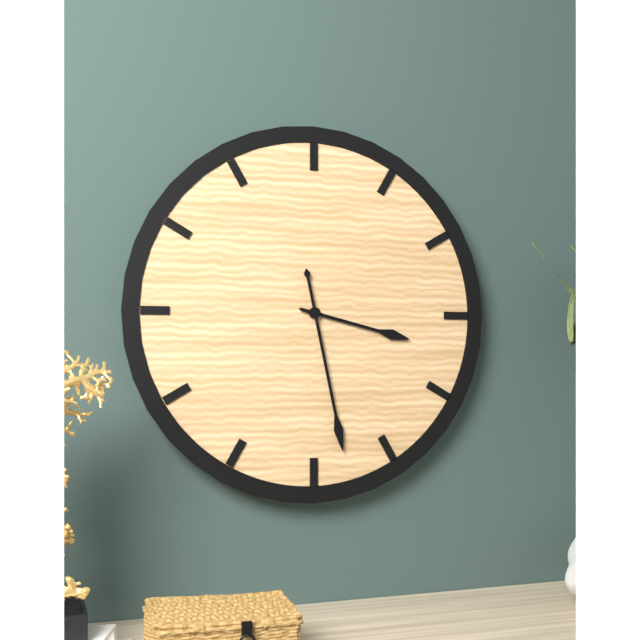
3:28
